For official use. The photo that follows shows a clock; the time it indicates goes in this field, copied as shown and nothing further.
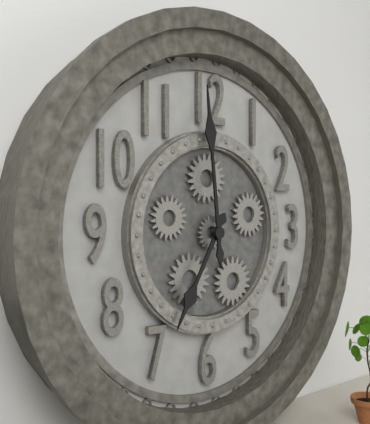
6:59
